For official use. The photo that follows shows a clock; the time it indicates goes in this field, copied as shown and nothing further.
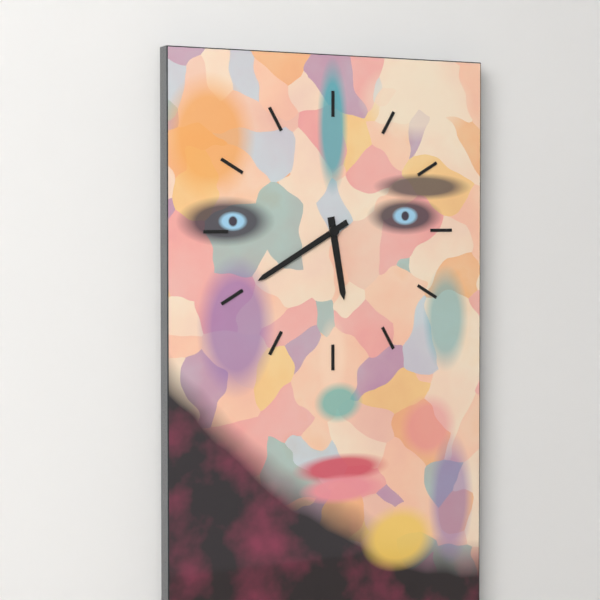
5:40
